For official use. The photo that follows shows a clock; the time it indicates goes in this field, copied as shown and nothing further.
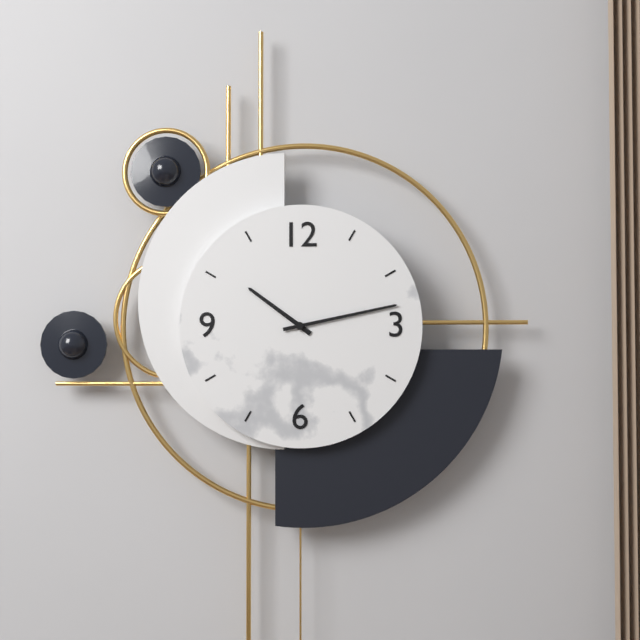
10:13
